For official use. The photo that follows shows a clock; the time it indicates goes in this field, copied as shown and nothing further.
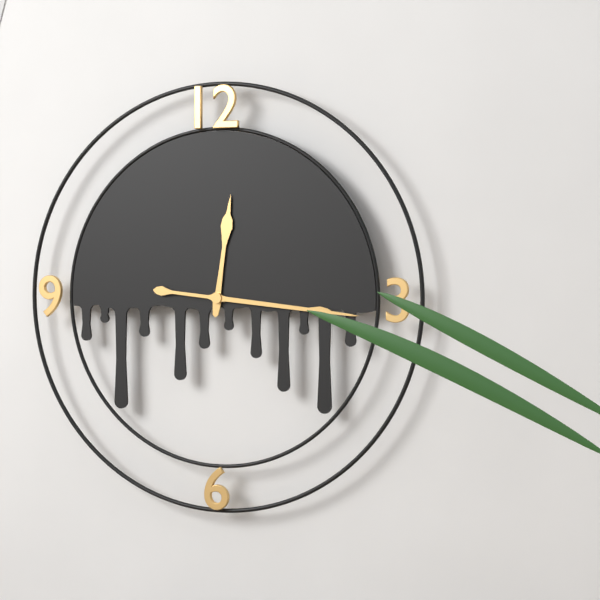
12:16
